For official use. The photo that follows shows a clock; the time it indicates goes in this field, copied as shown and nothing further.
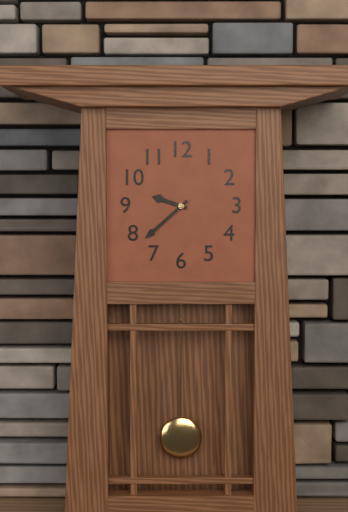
9:38
